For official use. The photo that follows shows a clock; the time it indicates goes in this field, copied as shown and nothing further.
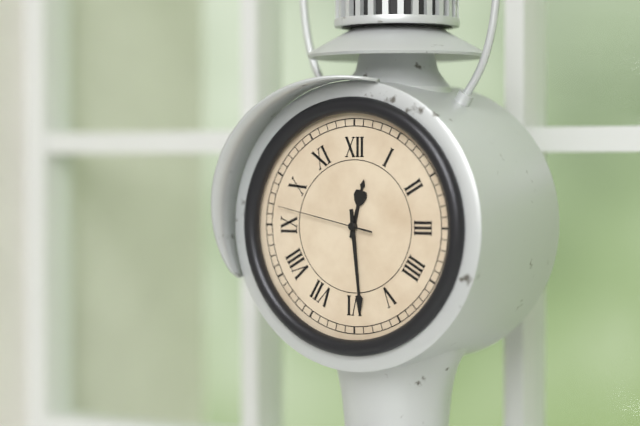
12:29:47
